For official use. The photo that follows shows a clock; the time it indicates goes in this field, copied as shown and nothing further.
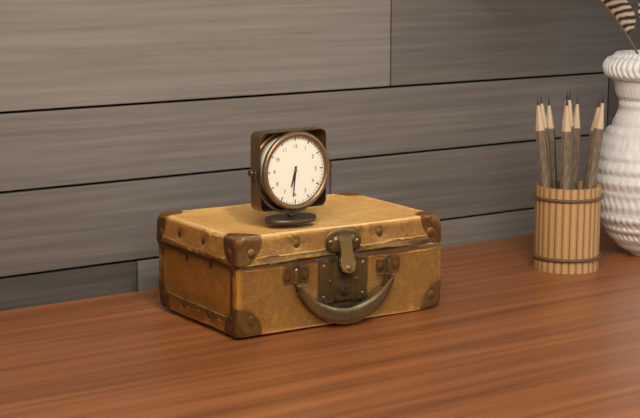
6:31
